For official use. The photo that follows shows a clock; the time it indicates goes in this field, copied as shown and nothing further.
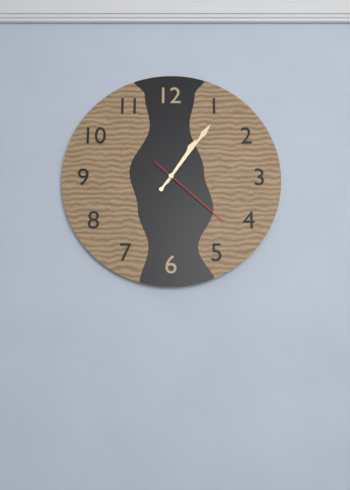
1:06:22
